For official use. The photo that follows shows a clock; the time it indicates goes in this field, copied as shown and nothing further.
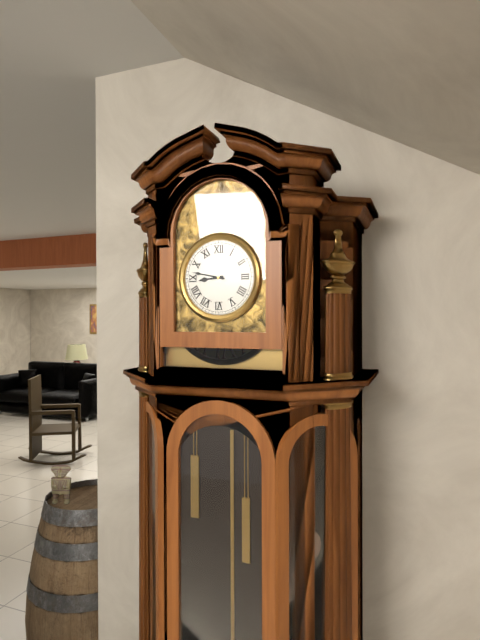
8:47
